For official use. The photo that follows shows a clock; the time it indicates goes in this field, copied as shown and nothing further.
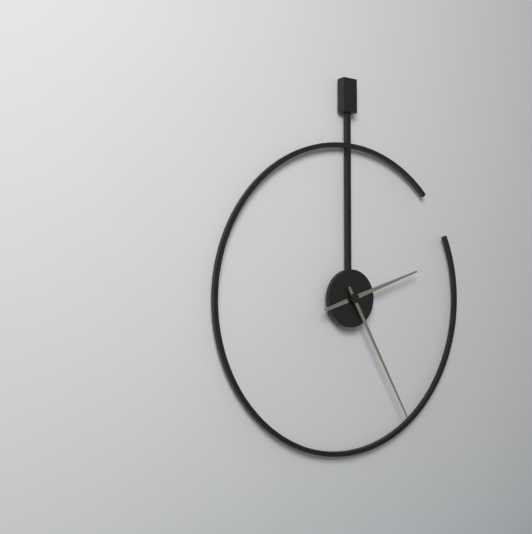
2:25
